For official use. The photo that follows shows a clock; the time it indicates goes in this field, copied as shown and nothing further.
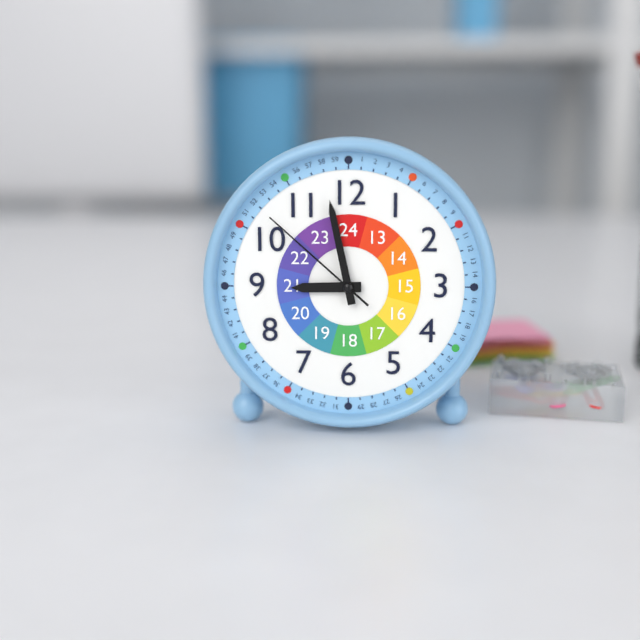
8:58:52
